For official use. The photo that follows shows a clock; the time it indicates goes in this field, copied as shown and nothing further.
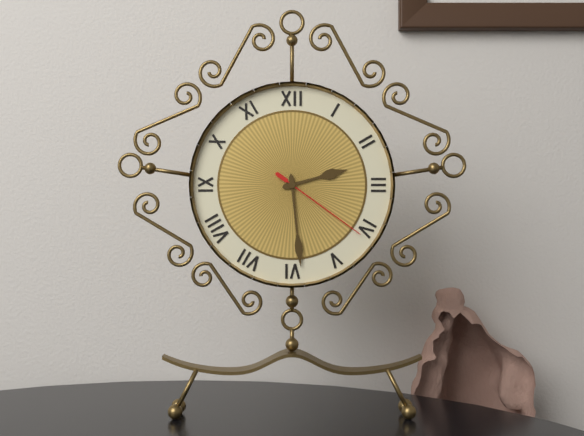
2:29:21
